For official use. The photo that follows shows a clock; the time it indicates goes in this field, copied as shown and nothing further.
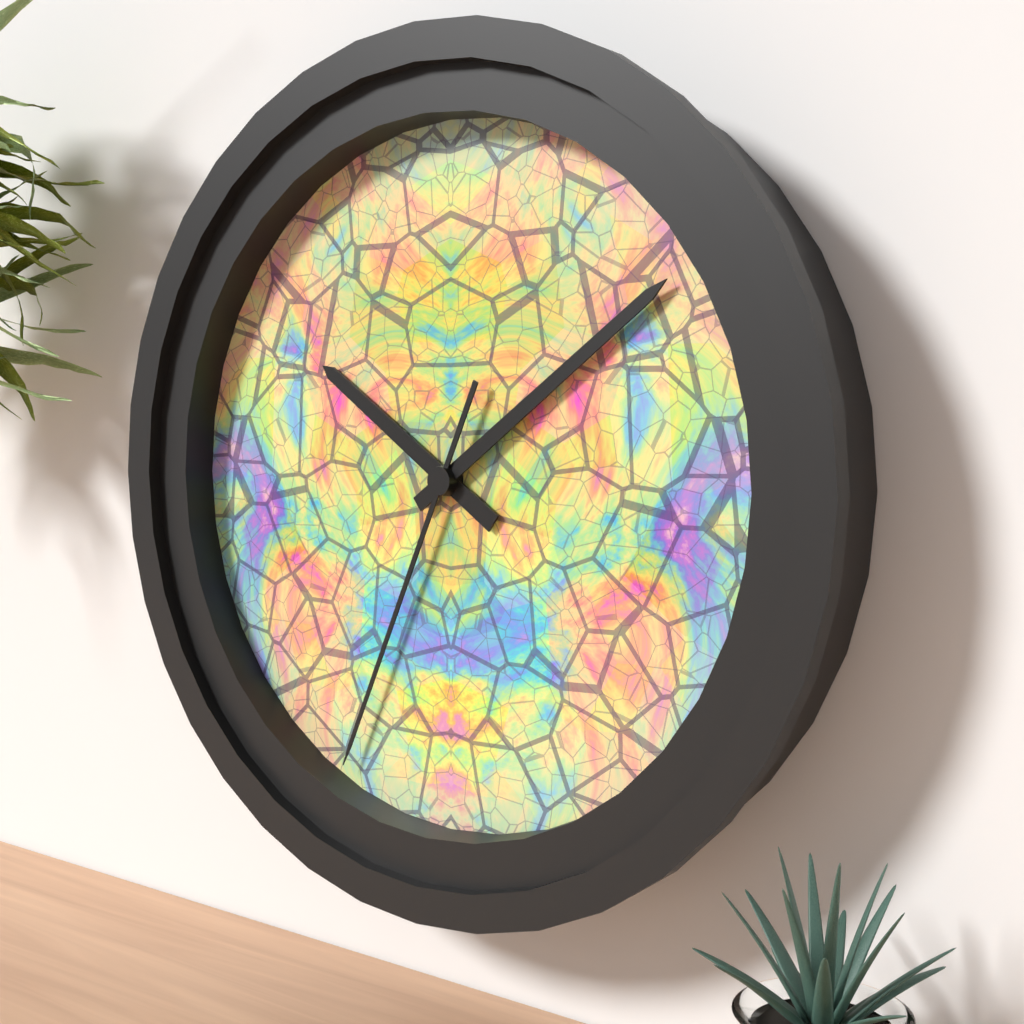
10:09:34
